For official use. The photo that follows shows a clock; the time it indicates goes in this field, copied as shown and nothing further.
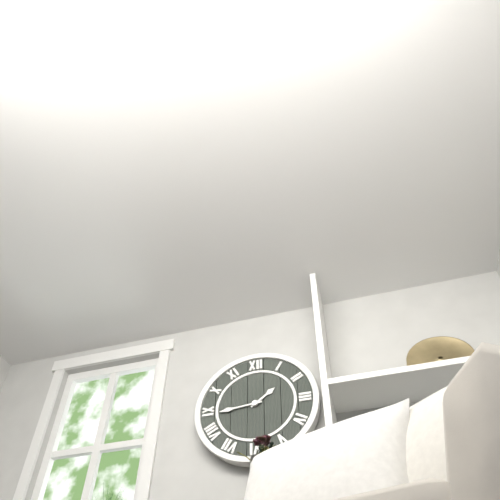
1:44
